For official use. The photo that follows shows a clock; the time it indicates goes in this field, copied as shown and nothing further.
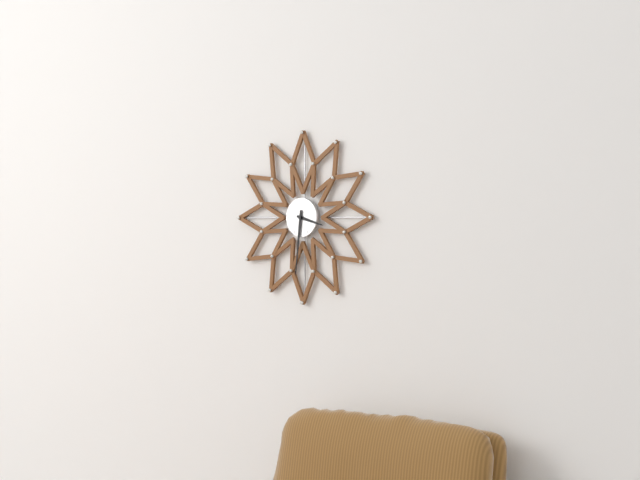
3:31
